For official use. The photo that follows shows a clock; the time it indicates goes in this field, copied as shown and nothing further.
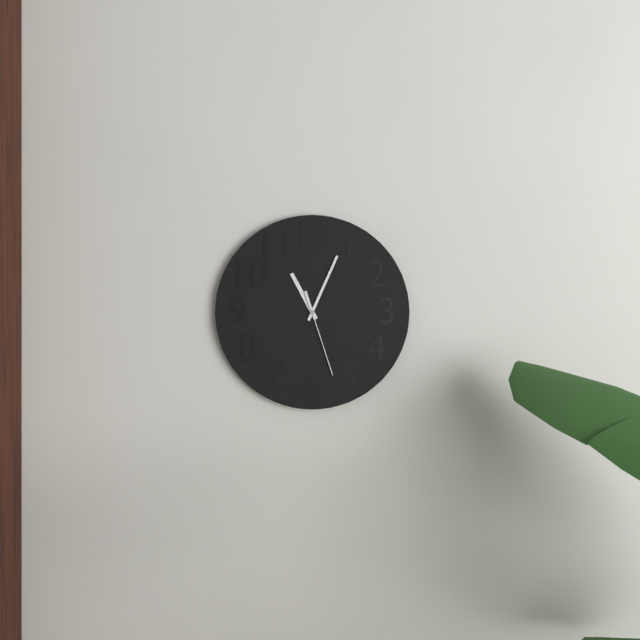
11:04:27
